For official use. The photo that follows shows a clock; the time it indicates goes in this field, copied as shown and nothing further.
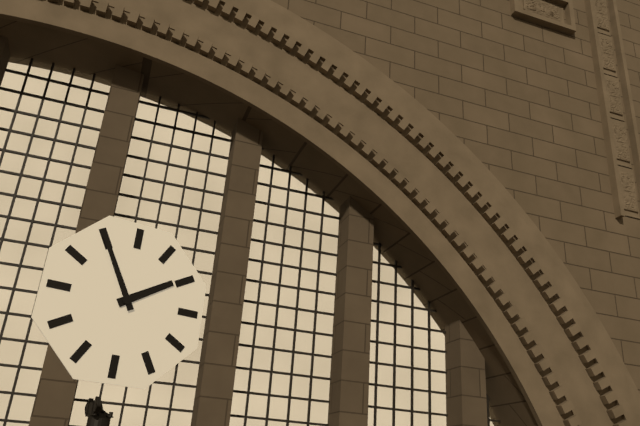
1:55
